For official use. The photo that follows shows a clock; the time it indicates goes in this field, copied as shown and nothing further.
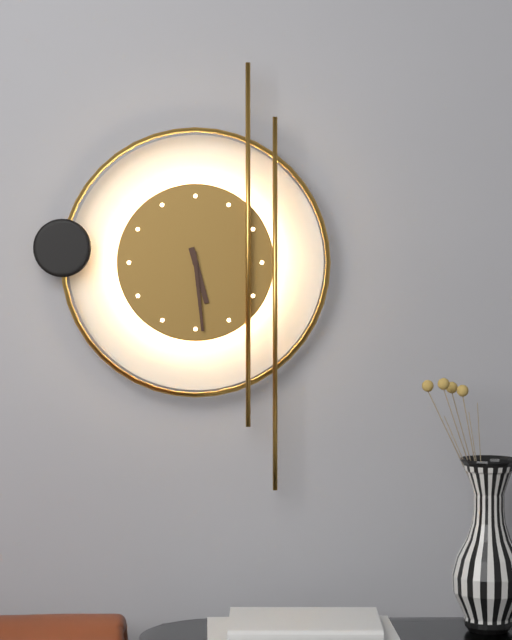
5:29
